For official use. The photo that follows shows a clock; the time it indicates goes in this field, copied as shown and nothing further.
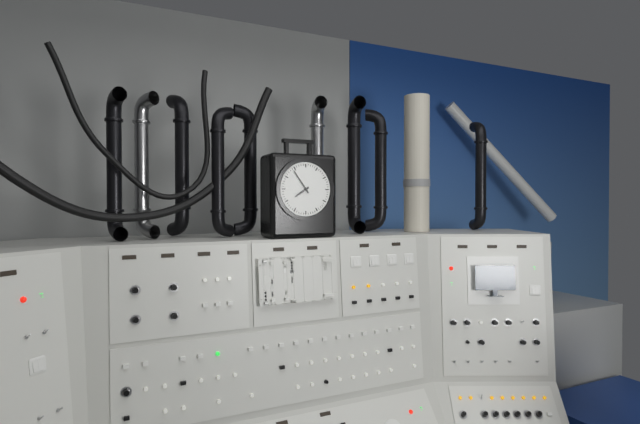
7:54
